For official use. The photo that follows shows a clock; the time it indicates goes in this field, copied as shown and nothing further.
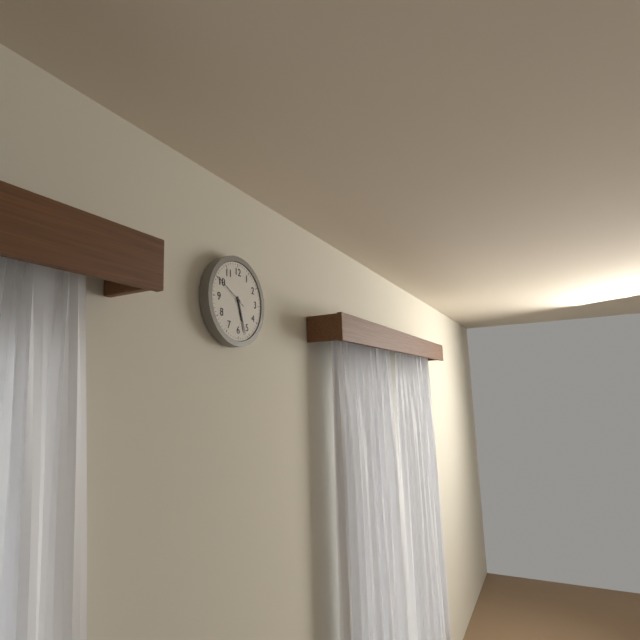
5:27
